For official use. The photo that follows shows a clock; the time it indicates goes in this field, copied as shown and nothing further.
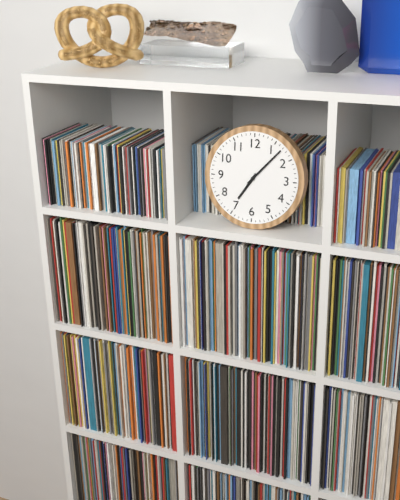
7:07
